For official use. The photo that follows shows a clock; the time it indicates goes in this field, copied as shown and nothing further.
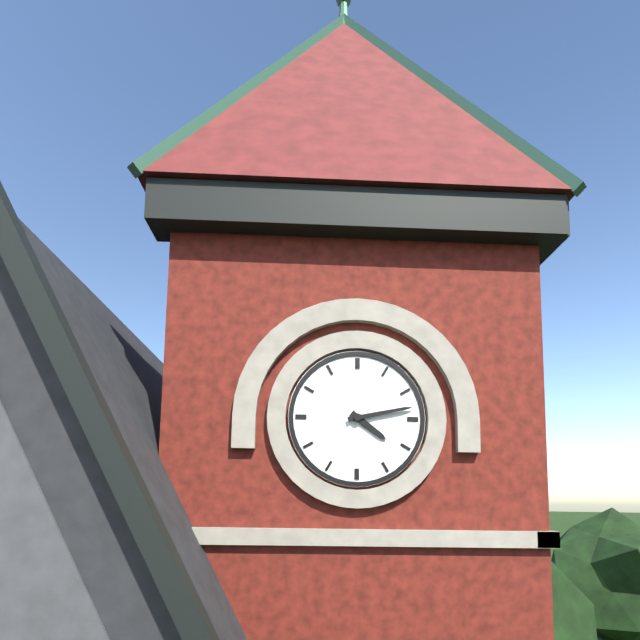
4:13
